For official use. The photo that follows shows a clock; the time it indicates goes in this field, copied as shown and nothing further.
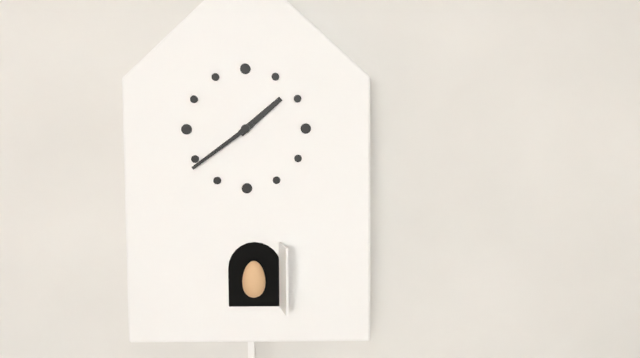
1:39
